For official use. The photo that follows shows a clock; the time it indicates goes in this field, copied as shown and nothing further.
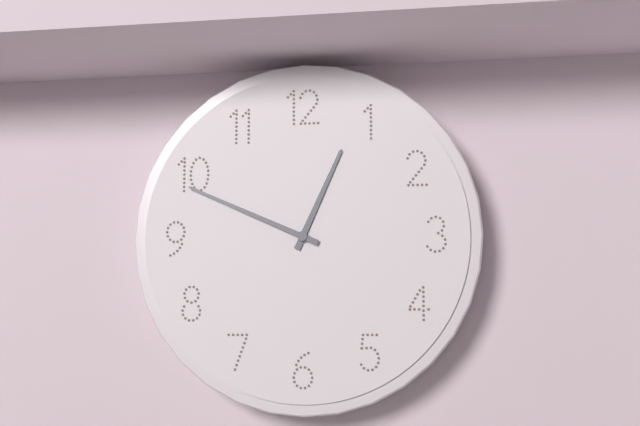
12:49
